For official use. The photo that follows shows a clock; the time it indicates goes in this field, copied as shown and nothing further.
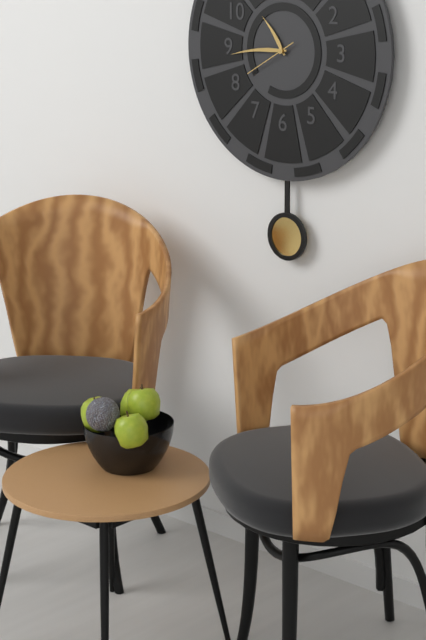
10:44:40
